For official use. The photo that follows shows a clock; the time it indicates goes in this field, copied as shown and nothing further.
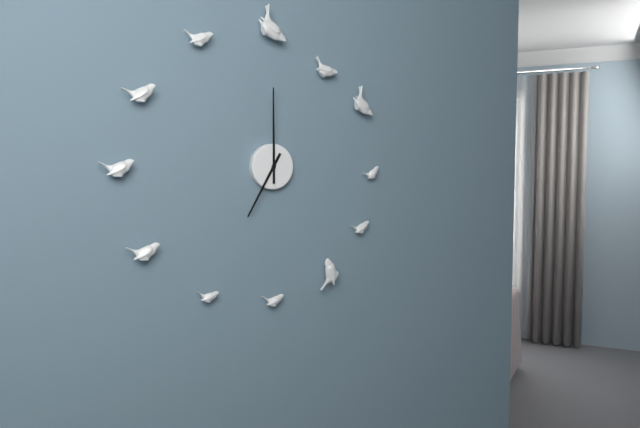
7:00
